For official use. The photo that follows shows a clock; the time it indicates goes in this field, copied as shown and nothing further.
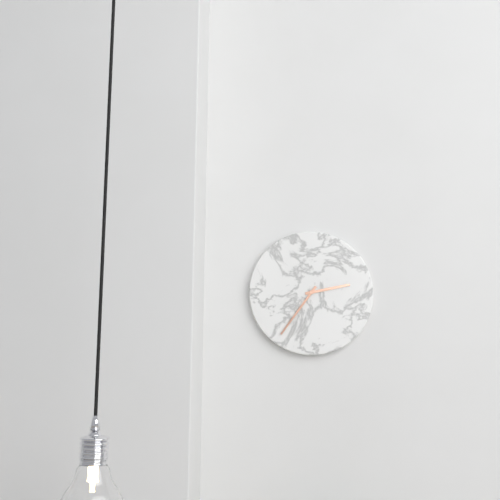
2:36
